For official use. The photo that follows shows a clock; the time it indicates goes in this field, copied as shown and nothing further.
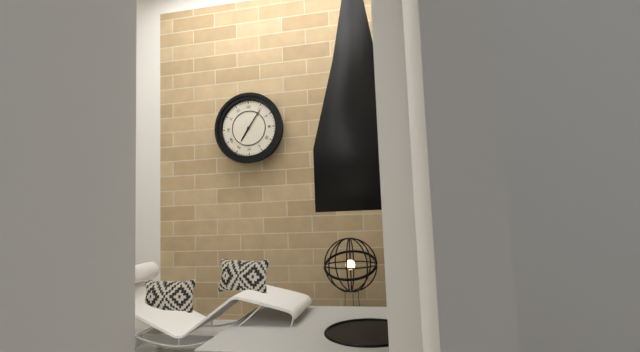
7:06
